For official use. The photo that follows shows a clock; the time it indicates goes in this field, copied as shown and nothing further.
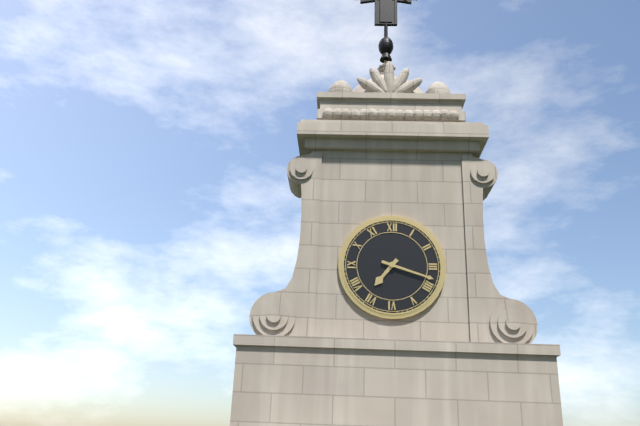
7:18
